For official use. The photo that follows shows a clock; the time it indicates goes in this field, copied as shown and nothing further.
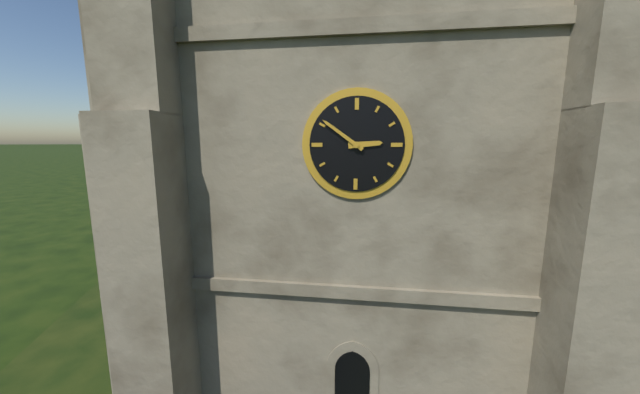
2:51
